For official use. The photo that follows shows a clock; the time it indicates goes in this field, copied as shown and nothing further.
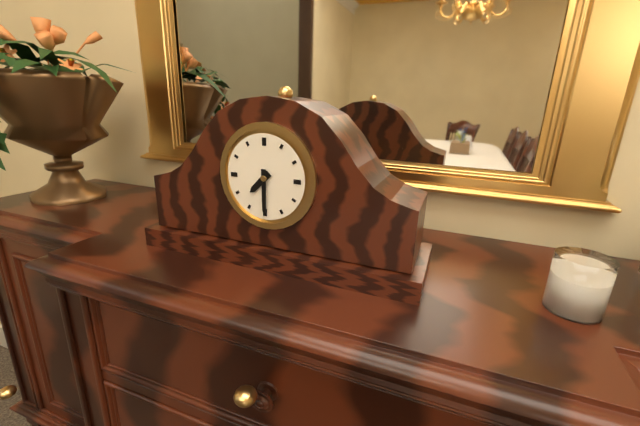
7:30
